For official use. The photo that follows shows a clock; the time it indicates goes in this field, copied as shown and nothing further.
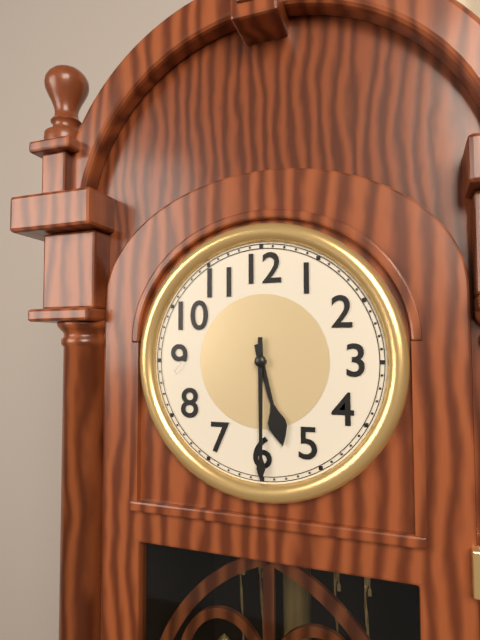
5:30
